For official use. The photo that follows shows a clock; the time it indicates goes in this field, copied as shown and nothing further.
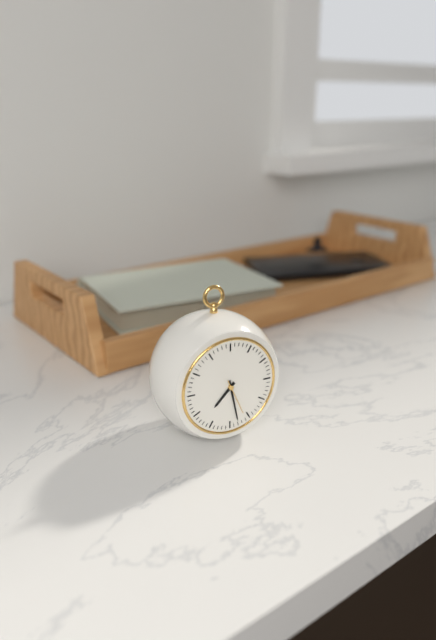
7:28
